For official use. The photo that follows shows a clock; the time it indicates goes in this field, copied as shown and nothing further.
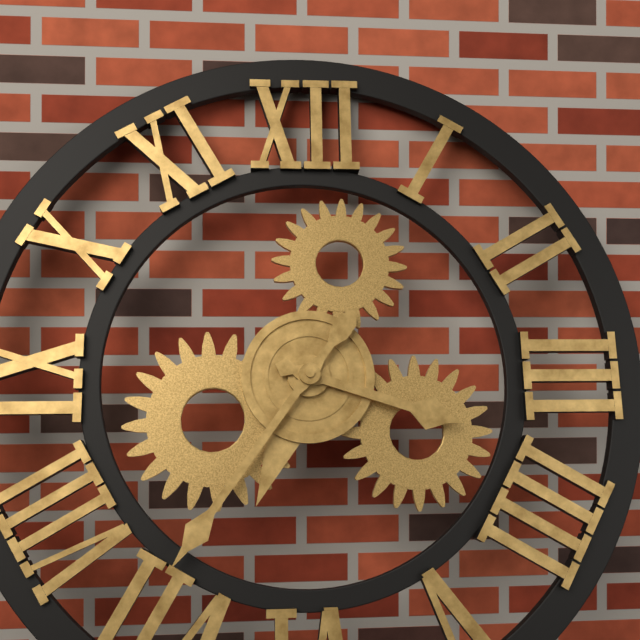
3:36
